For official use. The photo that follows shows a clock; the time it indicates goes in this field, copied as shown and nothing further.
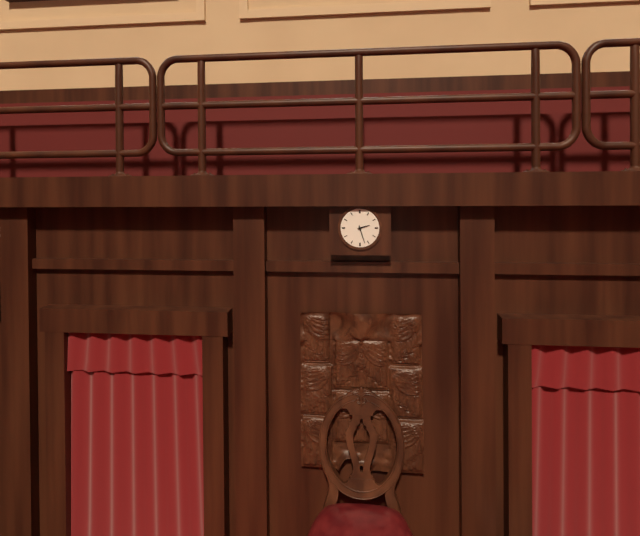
2:27
